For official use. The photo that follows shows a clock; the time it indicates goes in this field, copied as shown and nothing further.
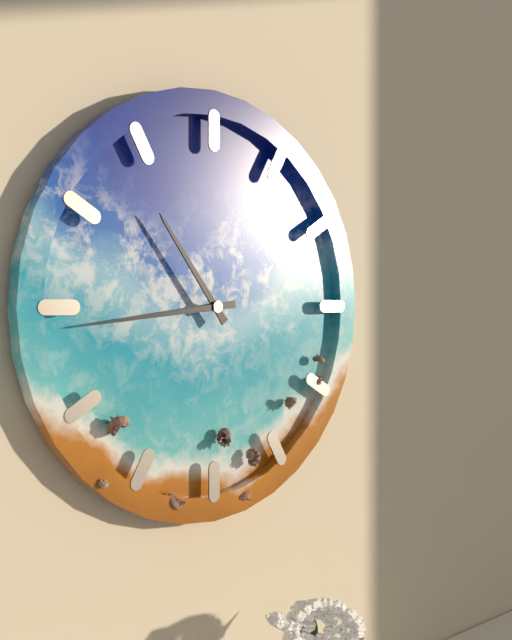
10:44
